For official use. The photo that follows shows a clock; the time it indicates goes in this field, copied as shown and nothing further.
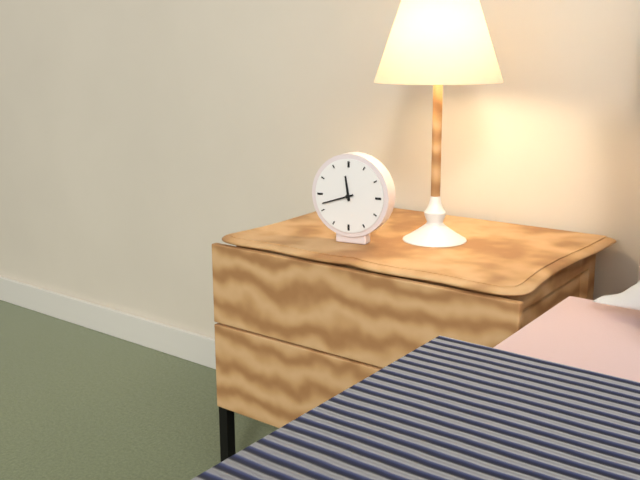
11:42
